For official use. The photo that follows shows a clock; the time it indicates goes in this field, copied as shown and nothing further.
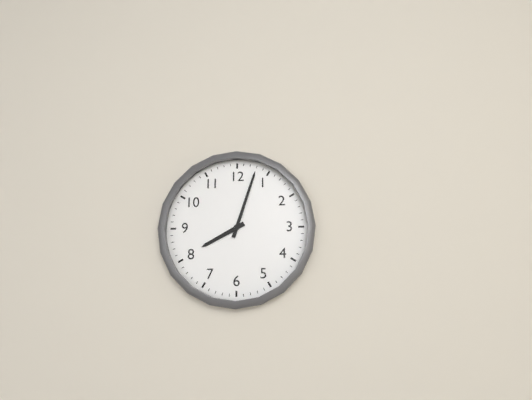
8:03
